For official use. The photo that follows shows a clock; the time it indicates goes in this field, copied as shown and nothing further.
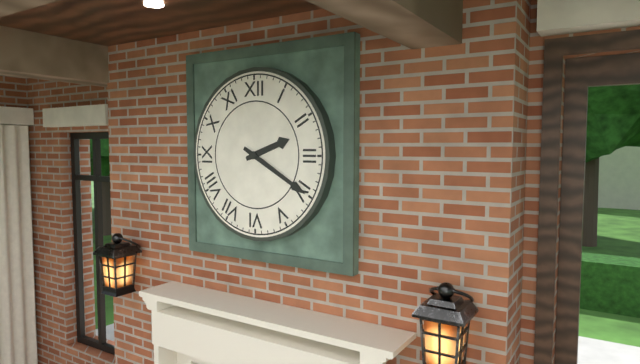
2:20
